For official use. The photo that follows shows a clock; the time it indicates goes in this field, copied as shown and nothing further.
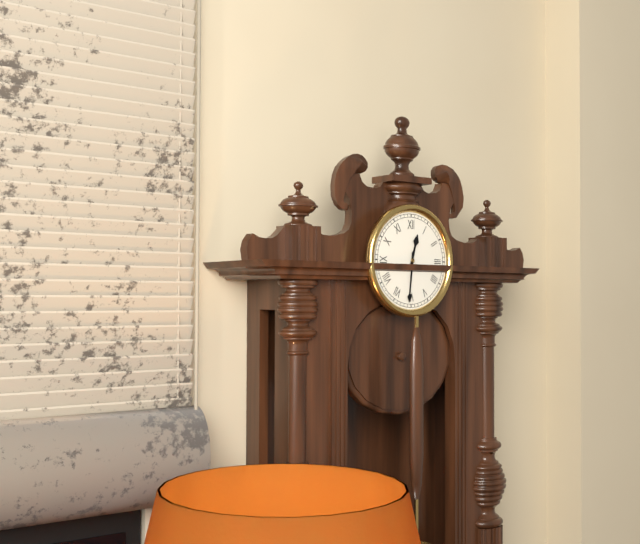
12:31
